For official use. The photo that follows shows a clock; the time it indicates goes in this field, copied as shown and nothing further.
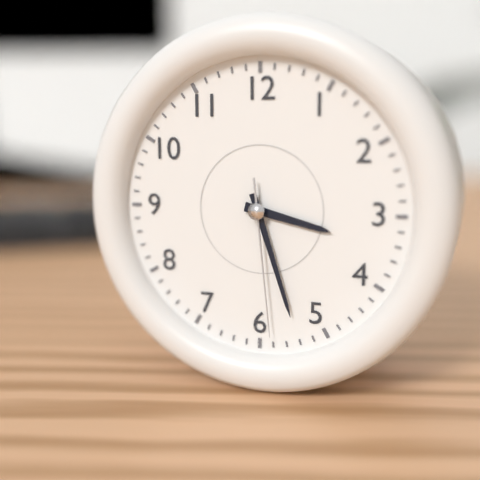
3:27:29
